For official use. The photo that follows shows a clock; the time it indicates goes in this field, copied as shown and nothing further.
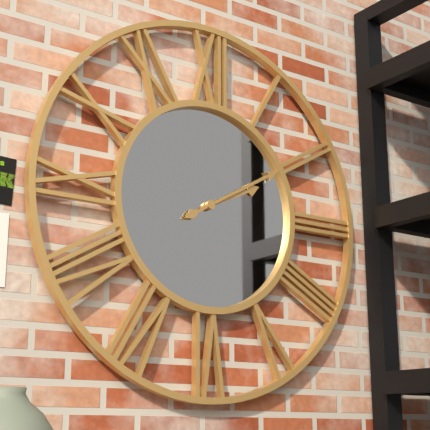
2:10
